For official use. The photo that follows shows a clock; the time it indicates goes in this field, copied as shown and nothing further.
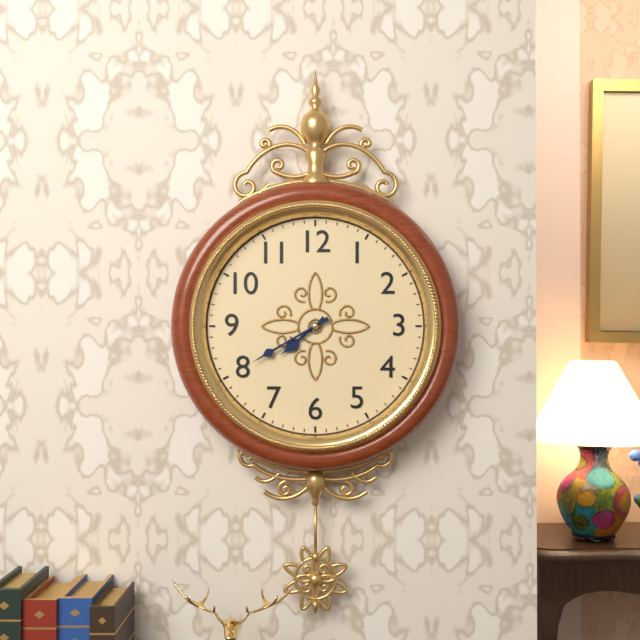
7:40
